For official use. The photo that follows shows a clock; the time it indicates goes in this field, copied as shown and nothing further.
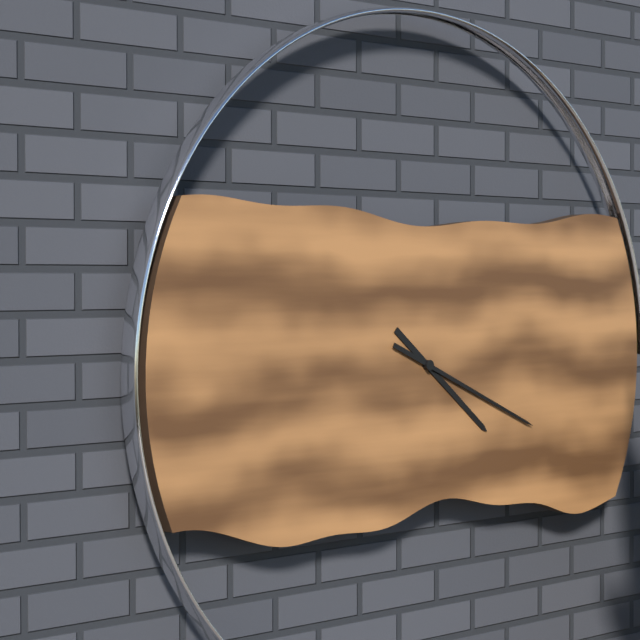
4:19
